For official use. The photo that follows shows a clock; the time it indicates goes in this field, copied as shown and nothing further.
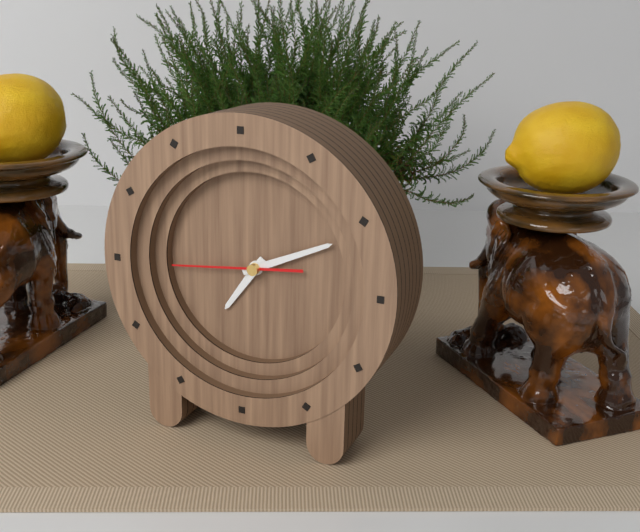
7:11:44
